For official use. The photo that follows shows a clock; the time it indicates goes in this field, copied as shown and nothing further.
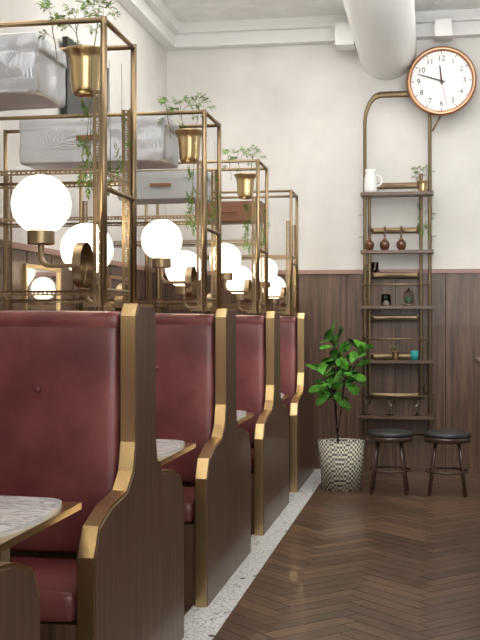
11:48
